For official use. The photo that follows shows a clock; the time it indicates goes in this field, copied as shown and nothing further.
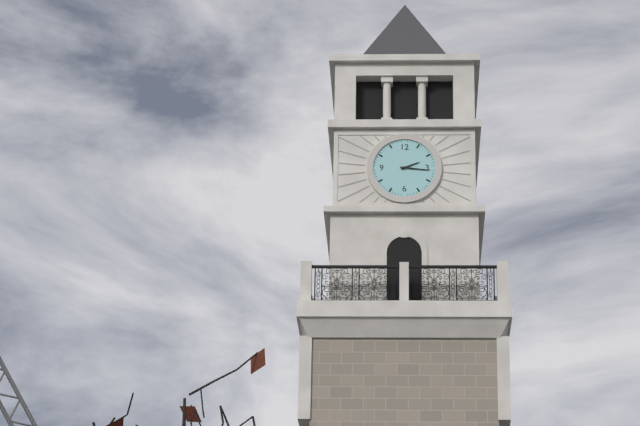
2:16
